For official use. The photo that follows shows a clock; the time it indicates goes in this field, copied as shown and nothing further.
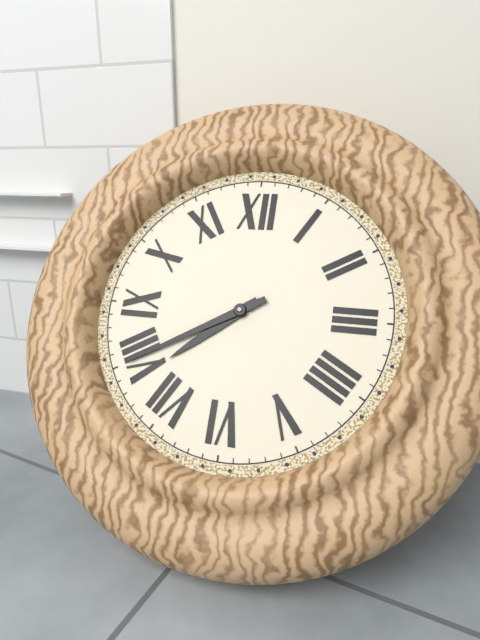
7:40
